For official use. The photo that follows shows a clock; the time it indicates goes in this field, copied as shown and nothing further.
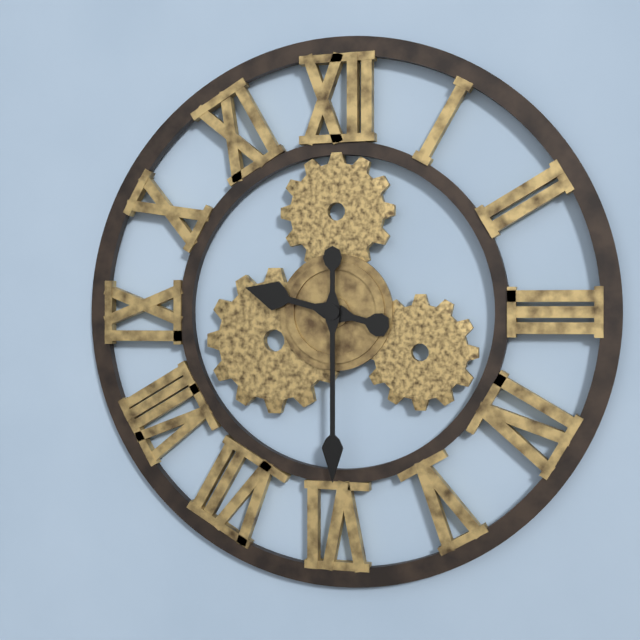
9:30
